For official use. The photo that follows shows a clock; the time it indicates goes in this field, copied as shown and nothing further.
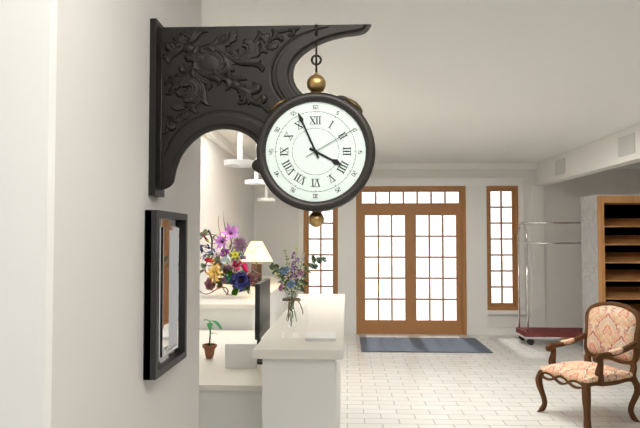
3:56:10
